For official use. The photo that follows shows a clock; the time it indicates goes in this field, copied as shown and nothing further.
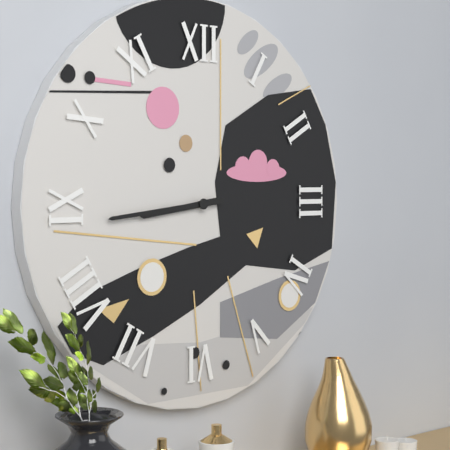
8:44
